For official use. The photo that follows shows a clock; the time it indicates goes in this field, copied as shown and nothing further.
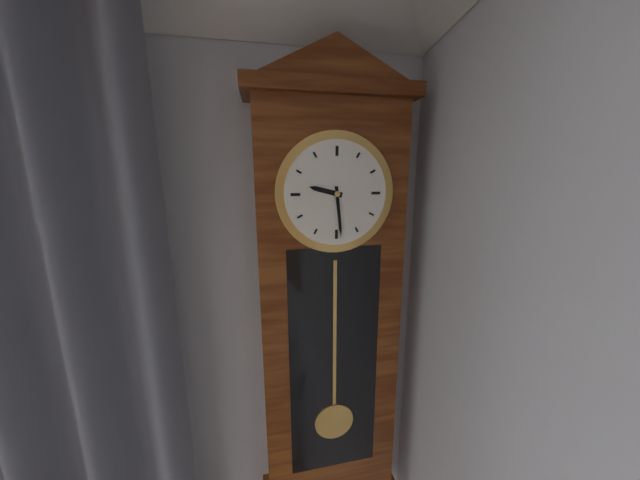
9:29
